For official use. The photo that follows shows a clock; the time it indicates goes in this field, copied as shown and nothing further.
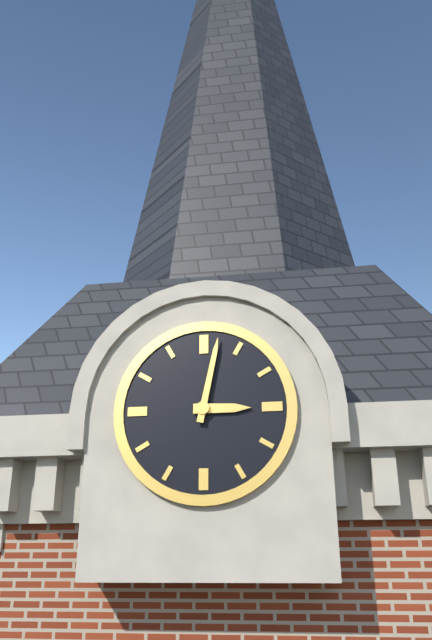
3:02
